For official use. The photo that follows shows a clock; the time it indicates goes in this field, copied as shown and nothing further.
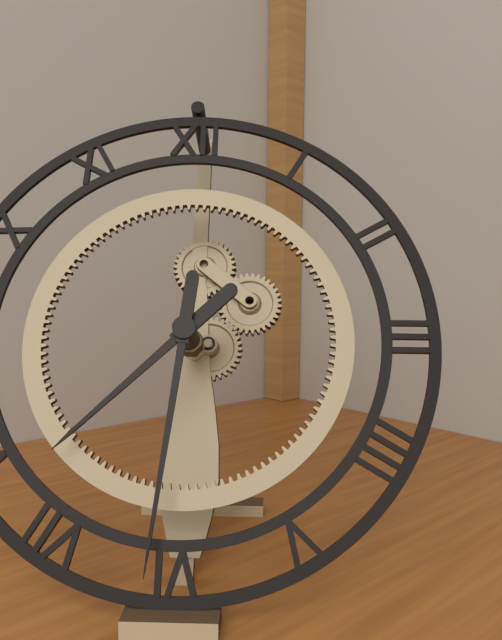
7:31
